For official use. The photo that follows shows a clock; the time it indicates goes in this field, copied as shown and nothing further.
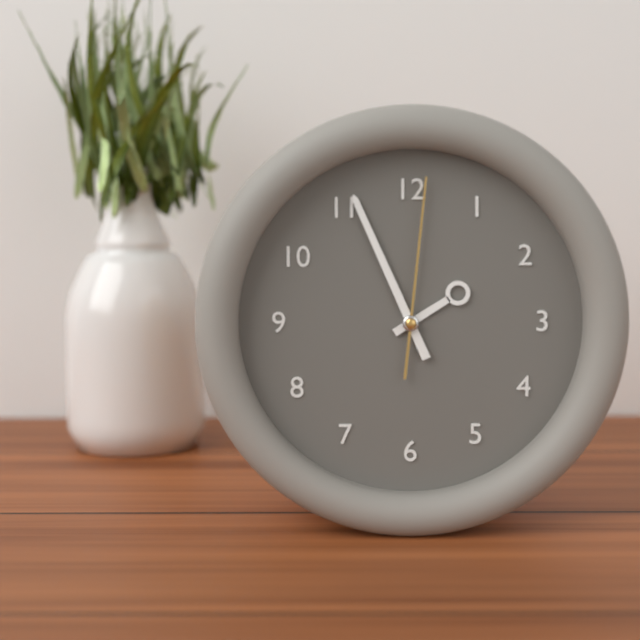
1:56:01
